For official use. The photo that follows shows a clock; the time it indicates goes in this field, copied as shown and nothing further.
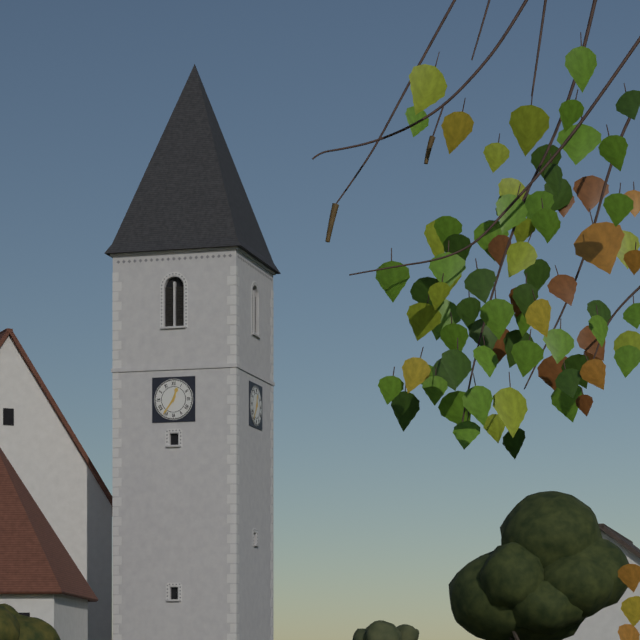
12:36
